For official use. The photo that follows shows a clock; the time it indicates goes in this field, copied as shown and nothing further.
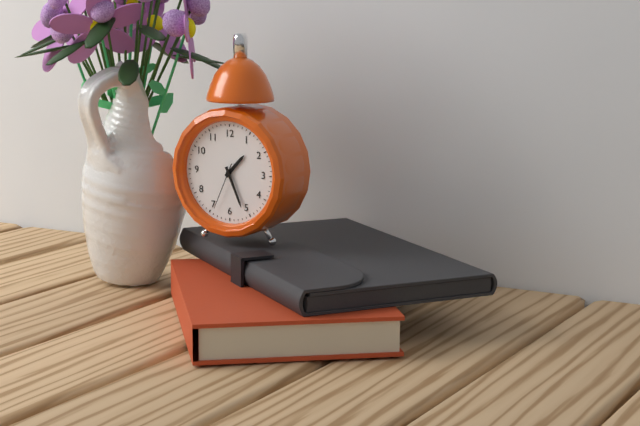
1:26:34
